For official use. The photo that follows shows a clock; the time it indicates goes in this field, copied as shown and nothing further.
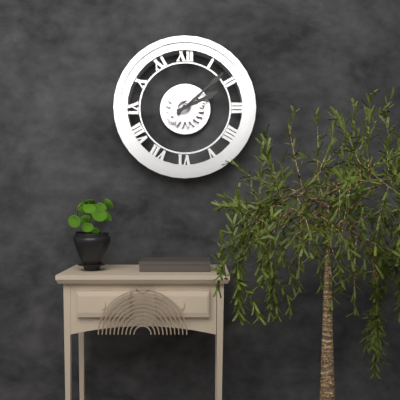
2:08
